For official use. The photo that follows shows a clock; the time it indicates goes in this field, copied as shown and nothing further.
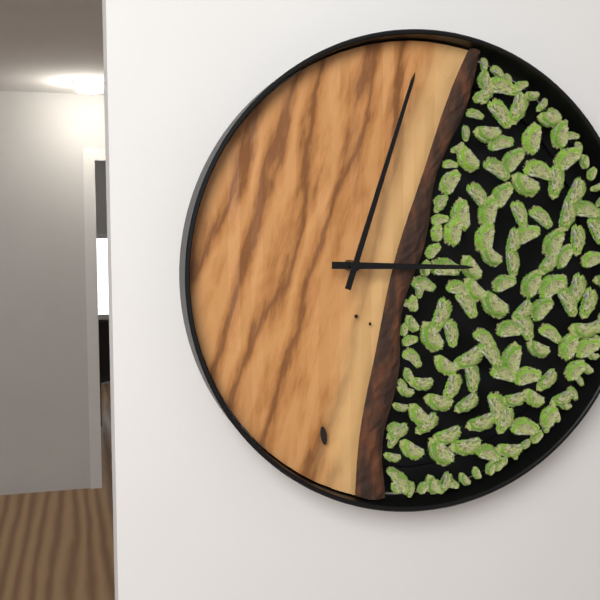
3:03
